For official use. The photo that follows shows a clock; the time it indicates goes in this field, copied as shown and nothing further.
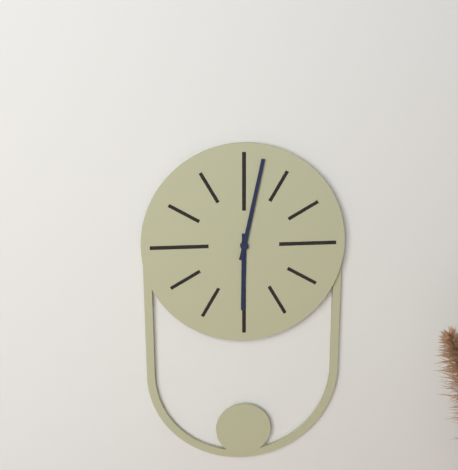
6:02
